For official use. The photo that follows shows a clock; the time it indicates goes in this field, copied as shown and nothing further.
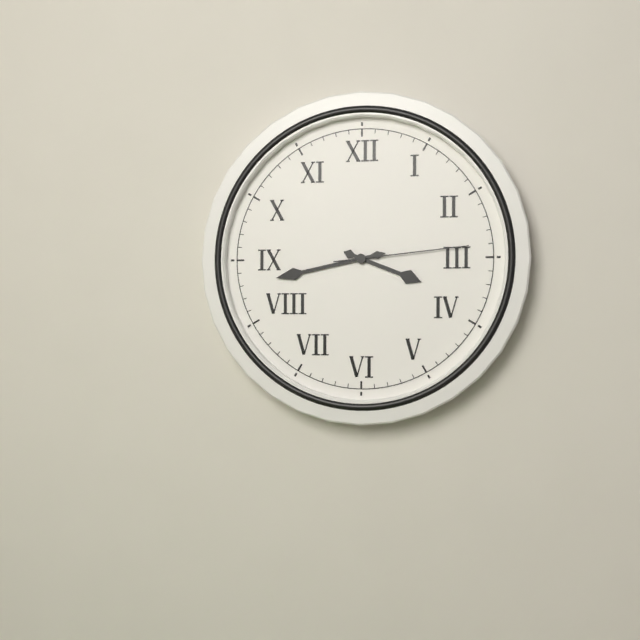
3:43:14
